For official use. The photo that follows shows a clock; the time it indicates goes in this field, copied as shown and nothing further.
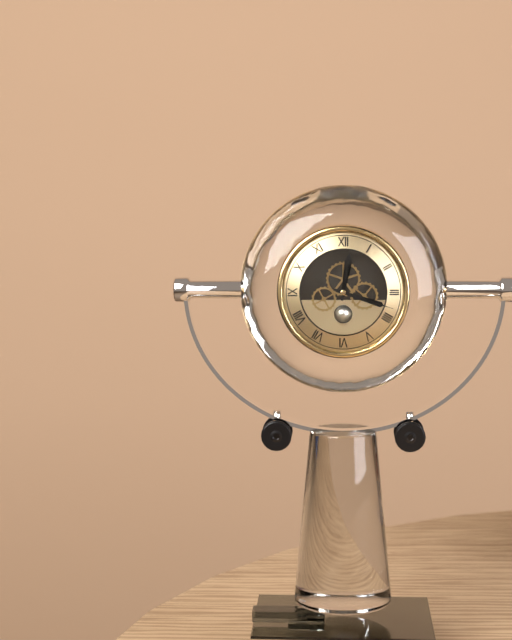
12:18
